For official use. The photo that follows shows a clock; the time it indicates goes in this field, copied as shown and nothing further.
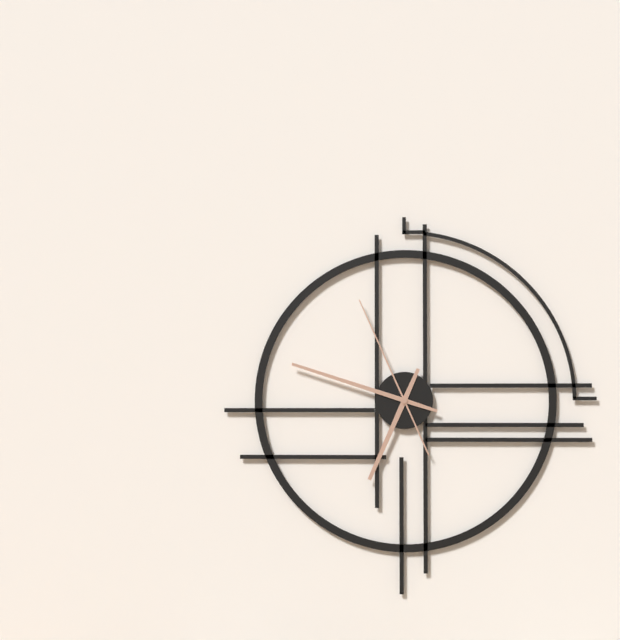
6:48:56
